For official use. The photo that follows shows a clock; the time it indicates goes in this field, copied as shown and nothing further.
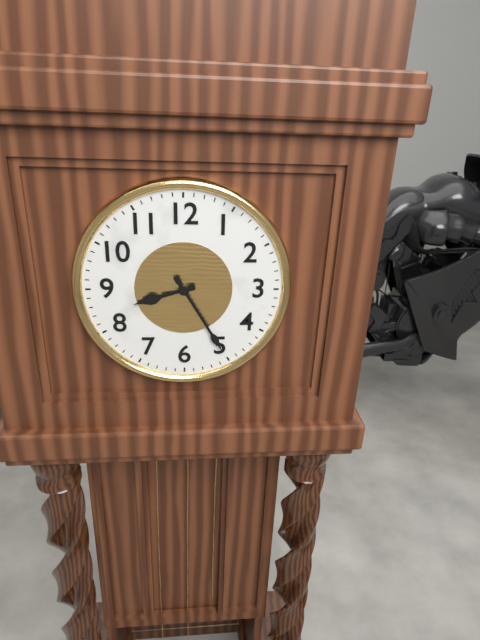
8:25
